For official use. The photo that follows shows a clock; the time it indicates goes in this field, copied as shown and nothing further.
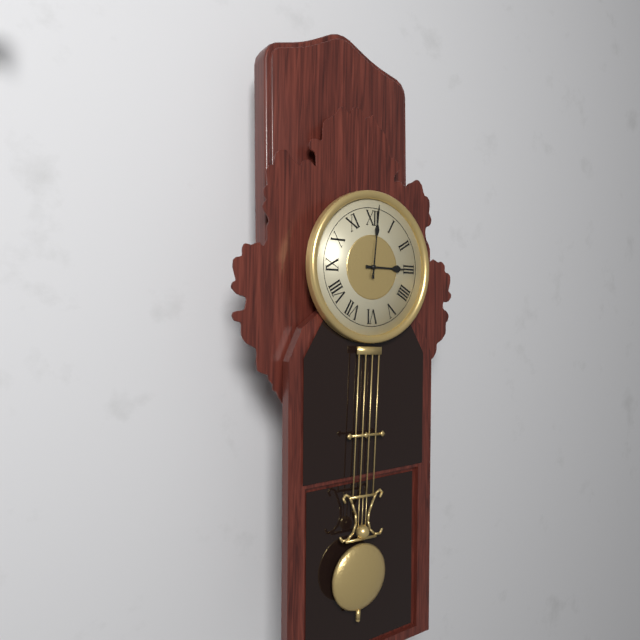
3:01
